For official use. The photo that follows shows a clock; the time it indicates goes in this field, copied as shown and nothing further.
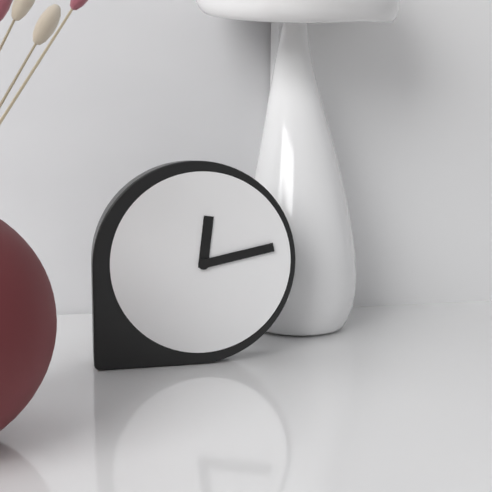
12:13
